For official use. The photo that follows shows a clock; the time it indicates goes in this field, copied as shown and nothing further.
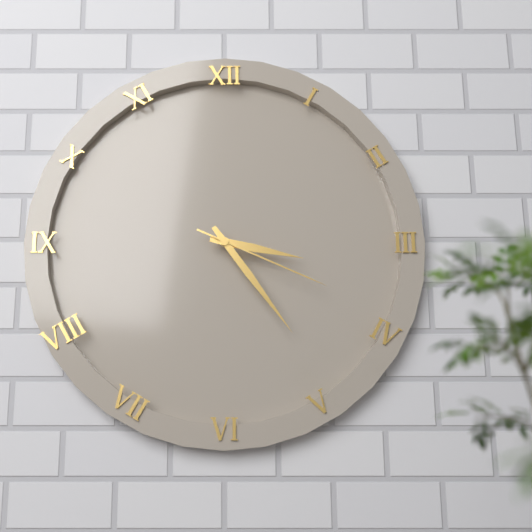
3:24:19
